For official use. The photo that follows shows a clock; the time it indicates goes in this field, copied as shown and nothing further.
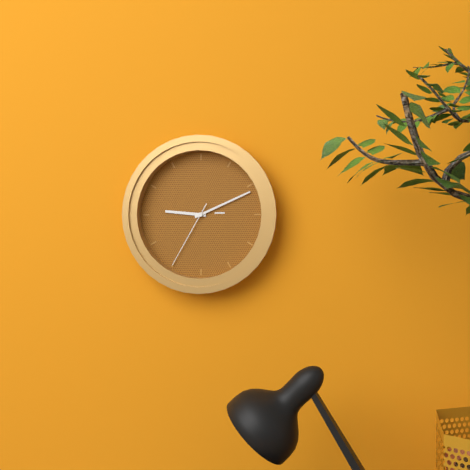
9:11:35
